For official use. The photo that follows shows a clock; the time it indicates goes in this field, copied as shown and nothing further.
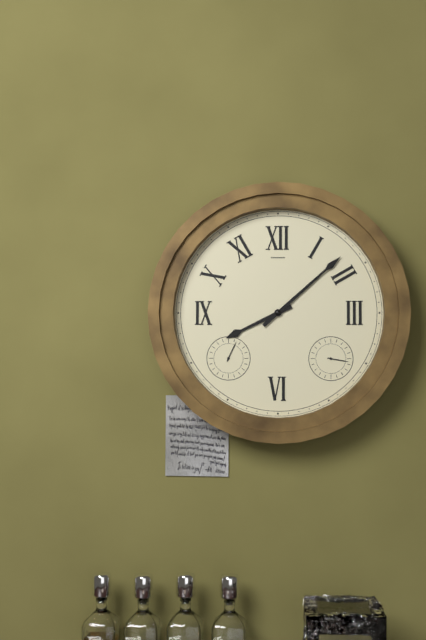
8:08
